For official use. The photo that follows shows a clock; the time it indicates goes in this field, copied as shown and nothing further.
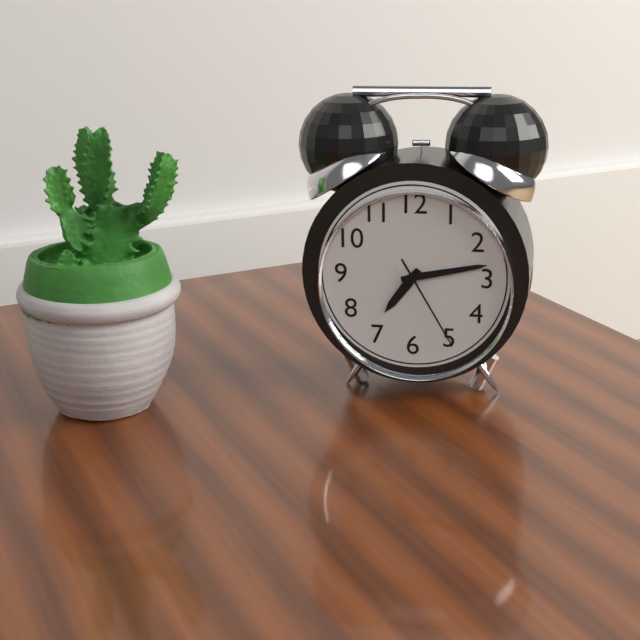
7:13:25
